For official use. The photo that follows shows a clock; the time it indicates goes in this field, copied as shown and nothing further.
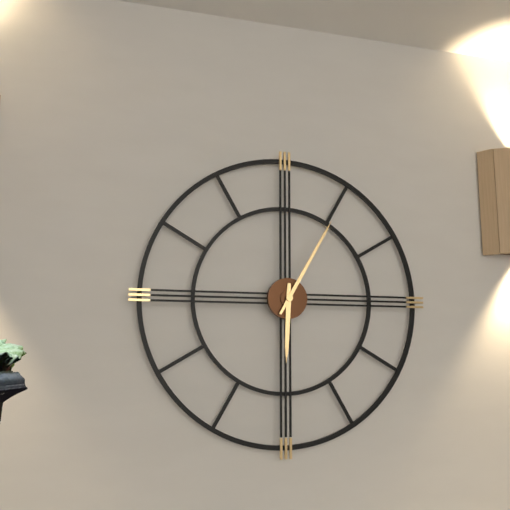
6:05
